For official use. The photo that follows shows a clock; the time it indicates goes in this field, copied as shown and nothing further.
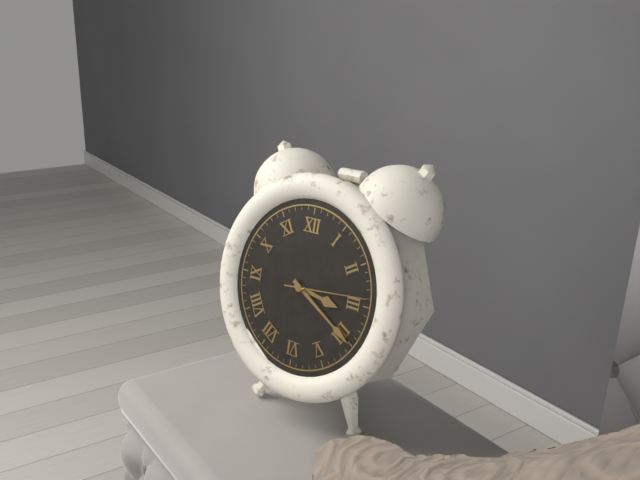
3:20:14
